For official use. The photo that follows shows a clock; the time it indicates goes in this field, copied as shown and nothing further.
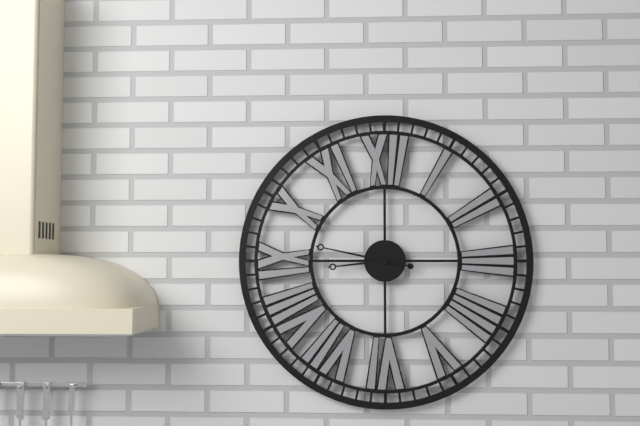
8:47
